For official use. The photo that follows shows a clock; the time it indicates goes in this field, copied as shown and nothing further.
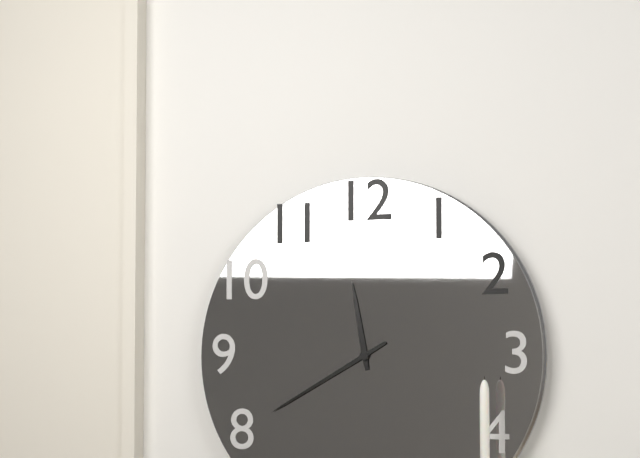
11:40
